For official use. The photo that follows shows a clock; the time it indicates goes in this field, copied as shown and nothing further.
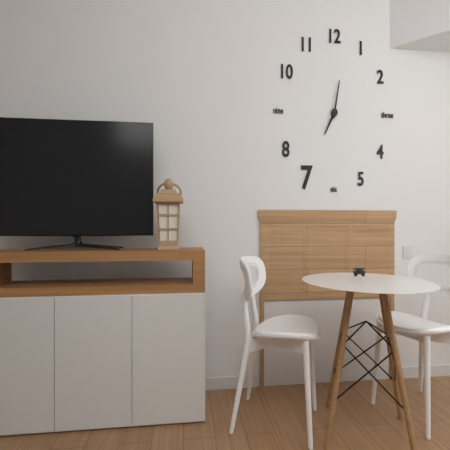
7:02
